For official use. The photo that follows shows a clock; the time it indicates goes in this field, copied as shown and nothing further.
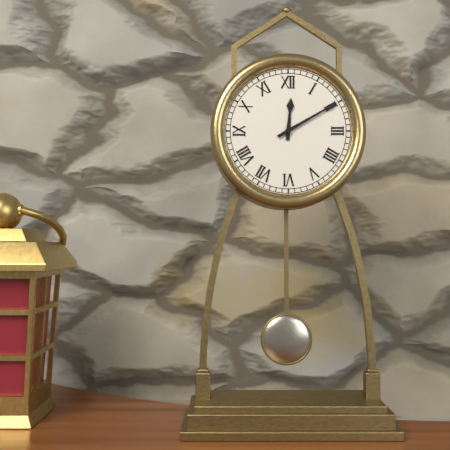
12:10
